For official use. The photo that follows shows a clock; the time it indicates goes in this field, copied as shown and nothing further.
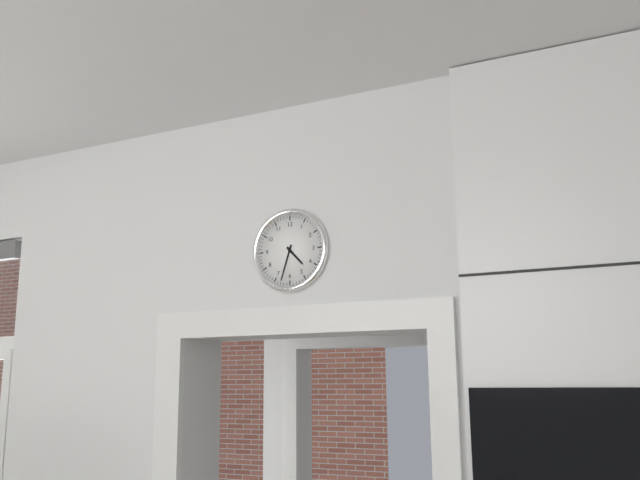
4:33
